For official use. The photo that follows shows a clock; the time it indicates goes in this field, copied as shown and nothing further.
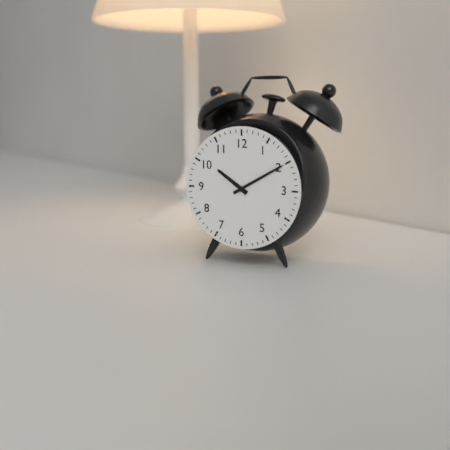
10:10
